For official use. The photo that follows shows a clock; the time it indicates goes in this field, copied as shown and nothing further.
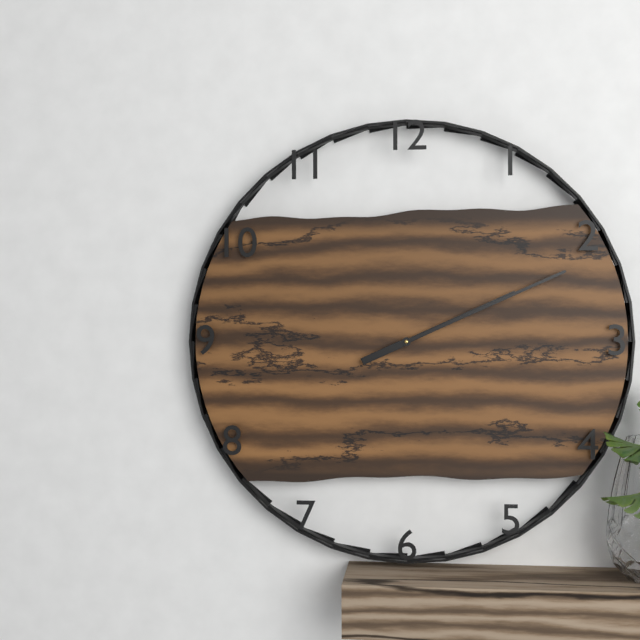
2:11
